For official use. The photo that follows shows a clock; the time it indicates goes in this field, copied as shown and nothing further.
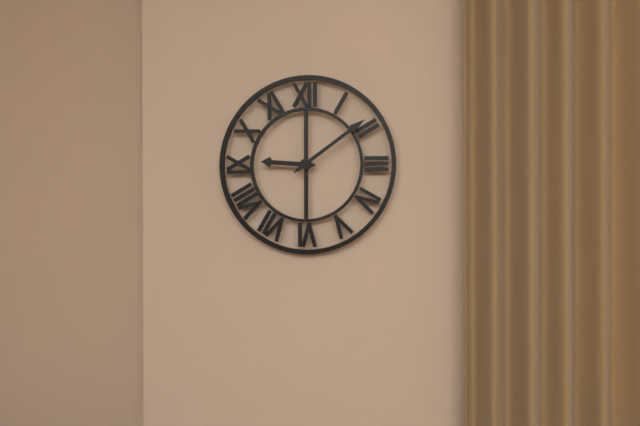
9:09
